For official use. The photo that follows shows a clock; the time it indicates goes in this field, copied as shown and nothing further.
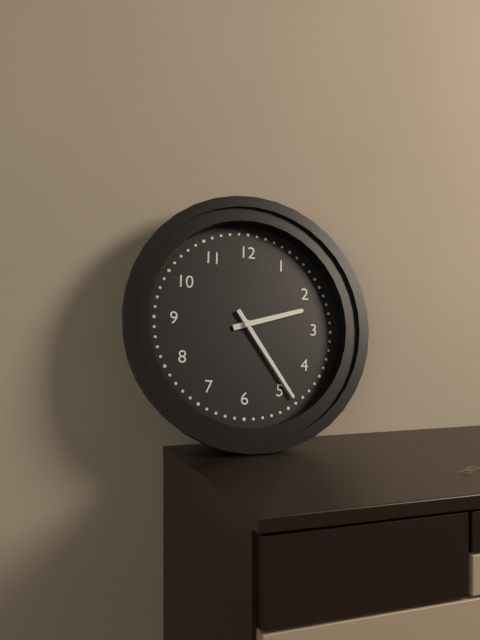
2:24
